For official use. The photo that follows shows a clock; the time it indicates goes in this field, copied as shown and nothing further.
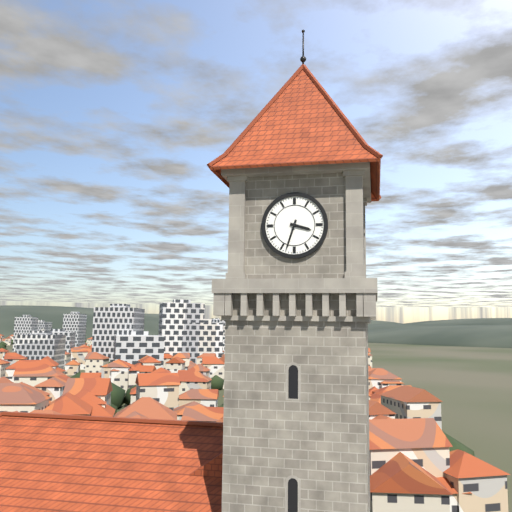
3:33
